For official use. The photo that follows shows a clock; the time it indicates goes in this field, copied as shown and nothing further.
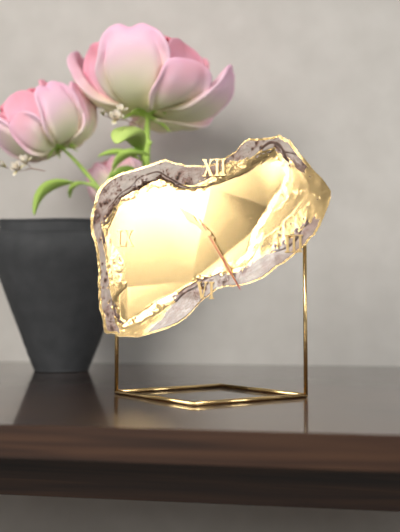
10:25:25
